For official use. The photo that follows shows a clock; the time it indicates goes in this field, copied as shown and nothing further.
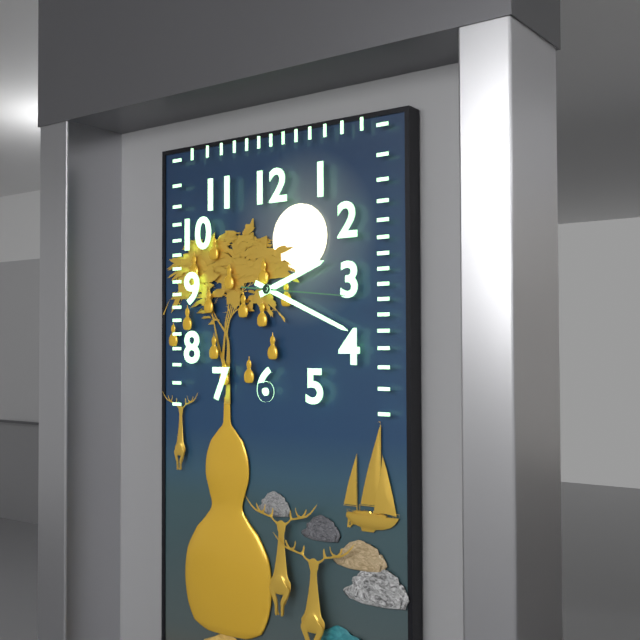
2:19:16
